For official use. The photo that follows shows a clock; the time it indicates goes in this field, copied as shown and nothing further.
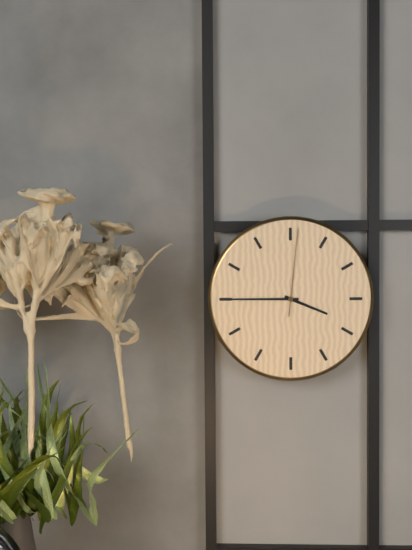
3:45:01
